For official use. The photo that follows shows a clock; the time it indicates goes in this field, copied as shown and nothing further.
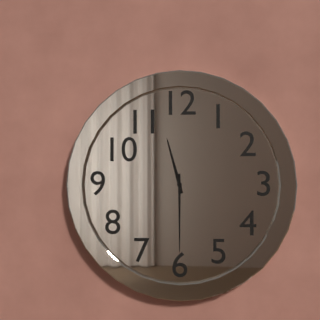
11:30
